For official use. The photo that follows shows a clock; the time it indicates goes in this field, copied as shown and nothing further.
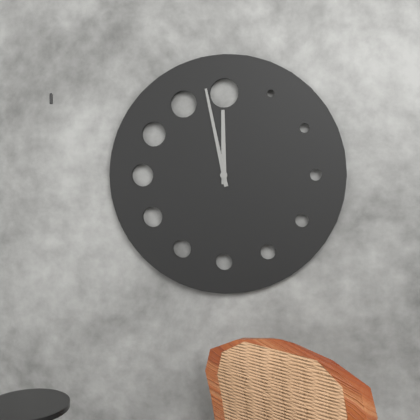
11:58
